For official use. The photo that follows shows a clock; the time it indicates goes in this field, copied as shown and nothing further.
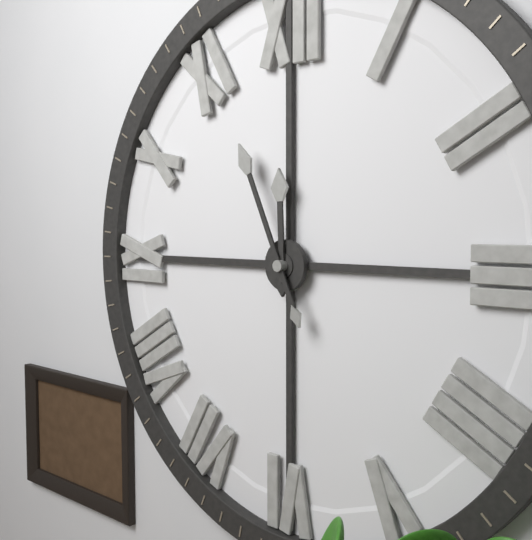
11:56
